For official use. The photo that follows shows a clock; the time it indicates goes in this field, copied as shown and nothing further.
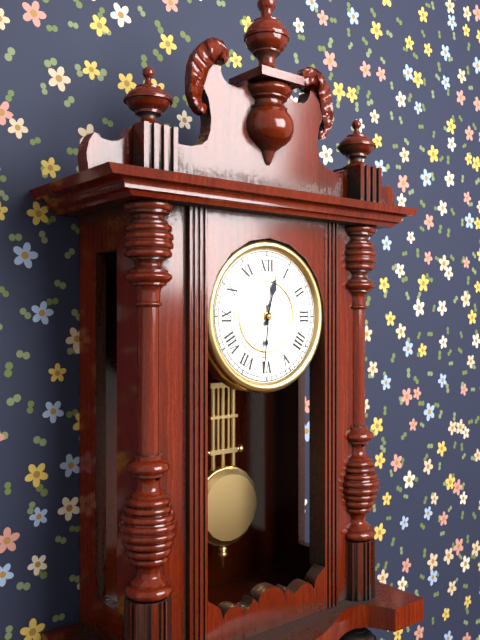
12:31
